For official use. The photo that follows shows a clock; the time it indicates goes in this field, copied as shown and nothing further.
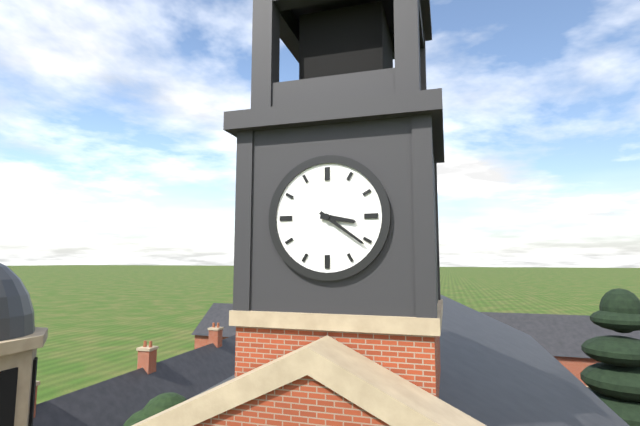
3:21
